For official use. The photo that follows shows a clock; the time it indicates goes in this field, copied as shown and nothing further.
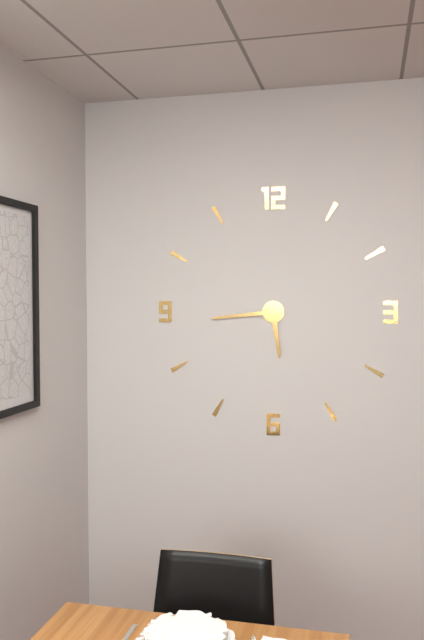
5:44
